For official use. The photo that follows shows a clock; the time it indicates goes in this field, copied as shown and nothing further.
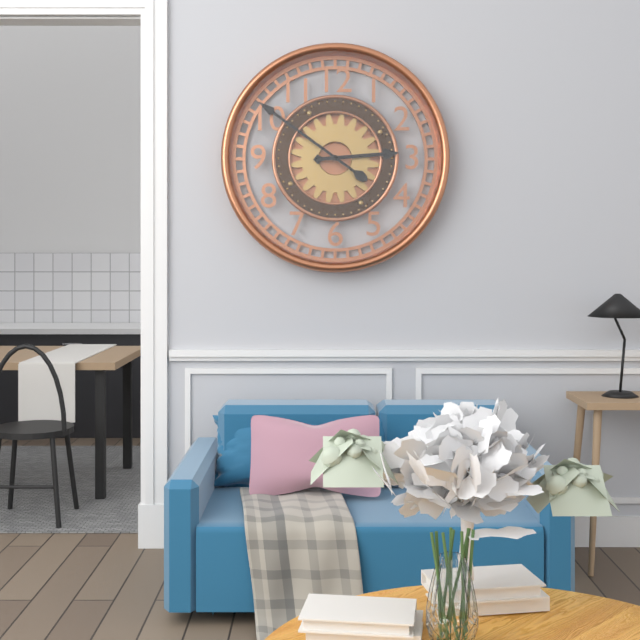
2:51
